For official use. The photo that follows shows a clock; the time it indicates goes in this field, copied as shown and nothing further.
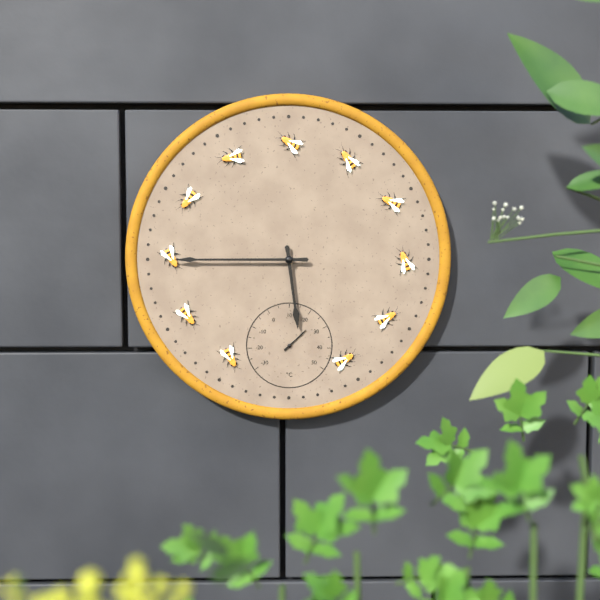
5:45
